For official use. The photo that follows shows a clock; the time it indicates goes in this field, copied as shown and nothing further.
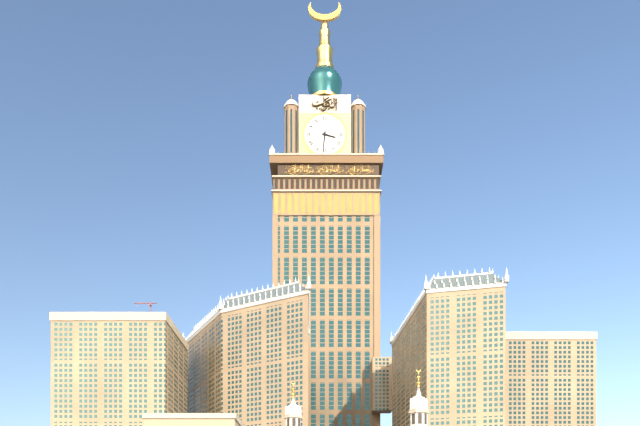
3:31
